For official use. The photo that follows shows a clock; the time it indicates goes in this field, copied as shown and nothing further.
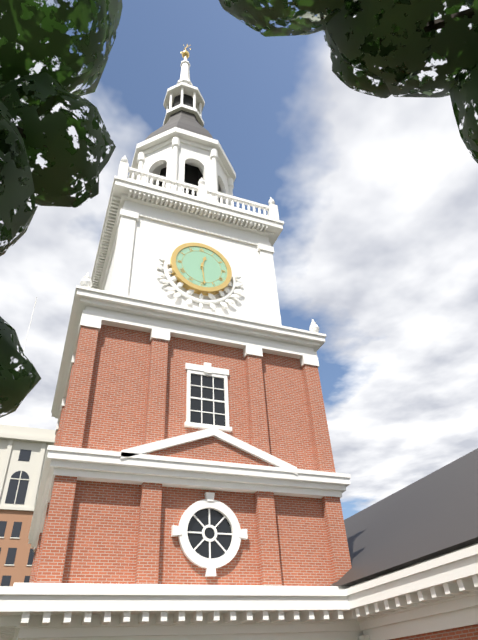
12:29
